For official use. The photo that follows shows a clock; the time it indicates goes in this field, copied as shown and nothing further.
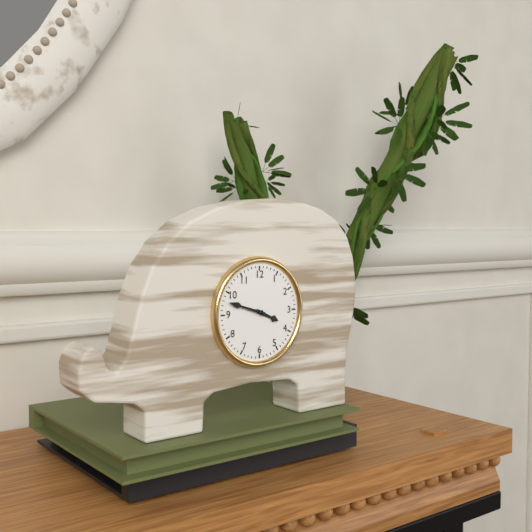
3:48
